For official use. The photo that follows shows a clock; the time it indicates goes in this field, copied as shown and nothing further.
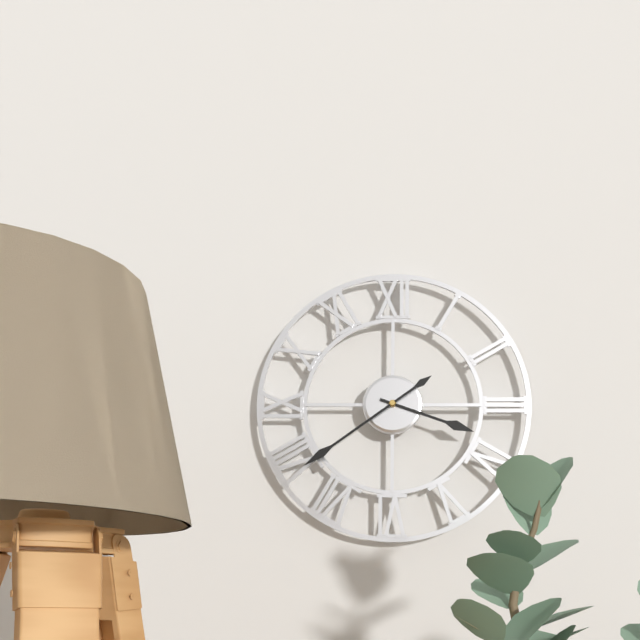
3:39
